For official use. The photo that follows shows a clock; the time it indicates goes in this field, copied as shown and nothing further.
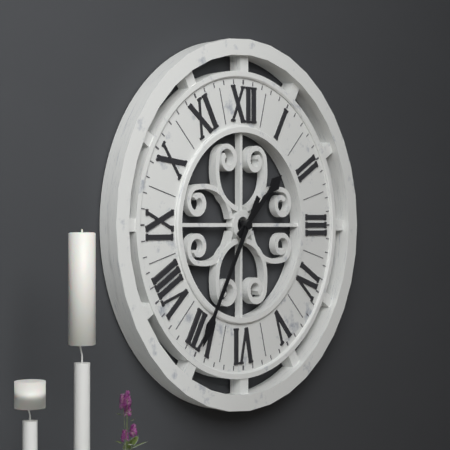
1:35
